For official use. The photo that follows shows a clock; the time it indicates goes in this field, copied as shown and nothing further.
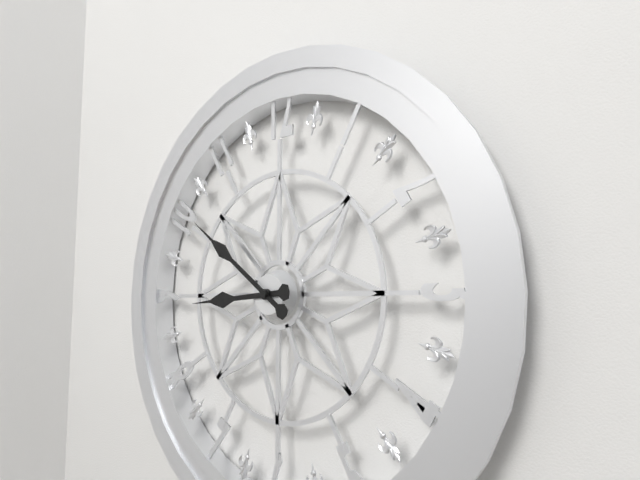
8:51
